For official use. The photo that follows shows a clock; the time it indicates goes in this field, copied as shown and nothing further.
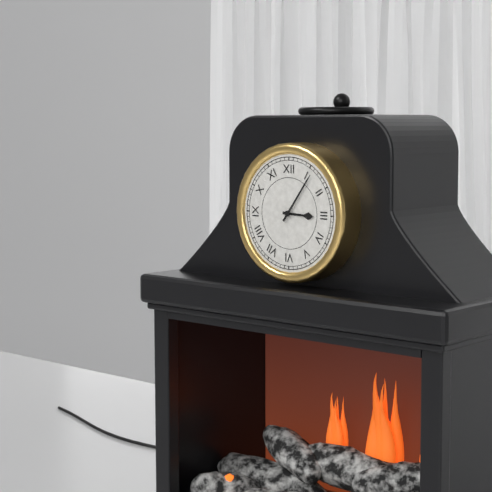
3:06
